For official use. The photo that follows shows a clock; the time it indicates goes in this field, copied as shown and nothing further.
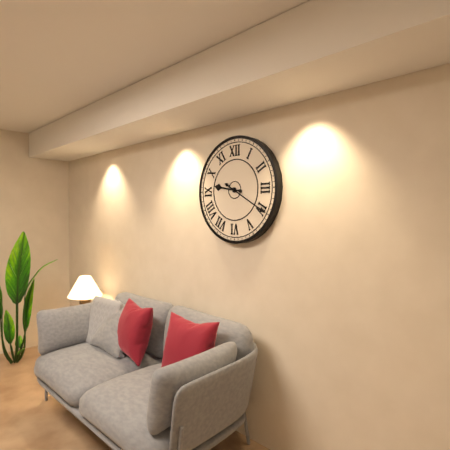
9:20
